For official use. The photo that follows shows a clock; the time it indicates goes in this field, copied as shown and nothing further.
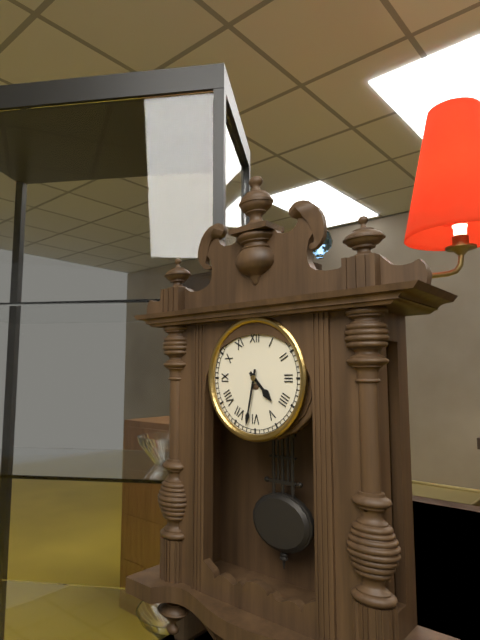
4:32
